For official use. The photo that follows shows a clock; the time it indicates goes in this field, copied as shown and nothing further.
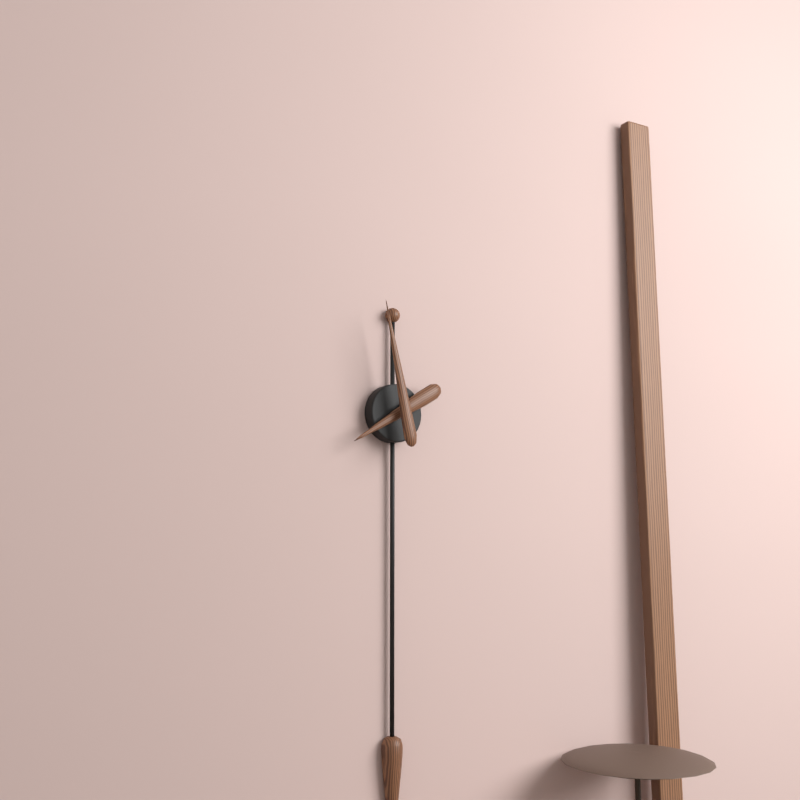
7:58
